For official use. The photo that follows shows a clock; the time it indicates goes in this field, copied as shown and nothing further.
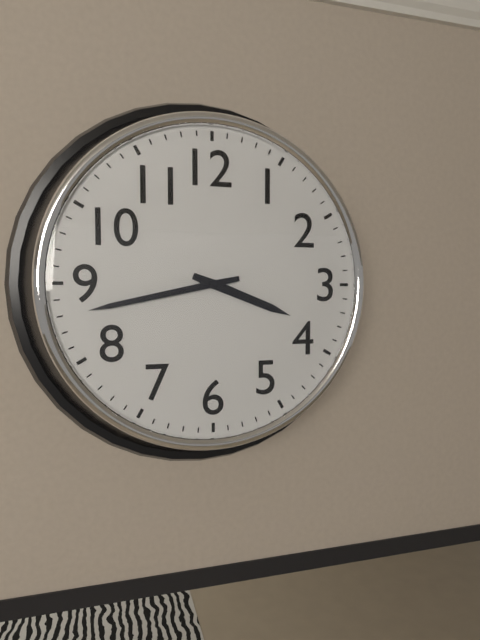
3:43
